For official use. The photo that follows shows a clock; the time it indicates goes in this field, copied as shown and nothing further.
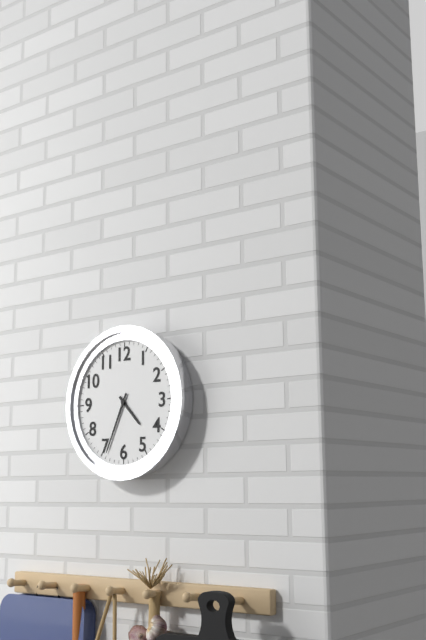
4:34
